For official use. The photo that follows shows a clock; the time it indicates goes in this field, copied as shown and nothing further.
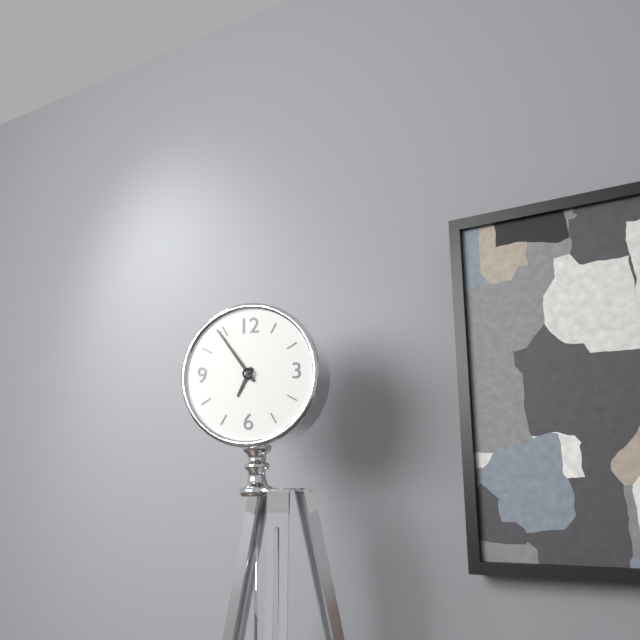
6:54
